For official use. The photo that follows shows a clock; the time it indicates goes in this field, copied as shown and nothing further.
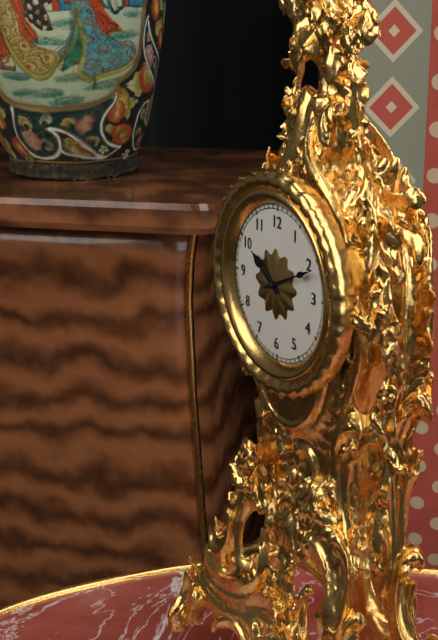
10:11
